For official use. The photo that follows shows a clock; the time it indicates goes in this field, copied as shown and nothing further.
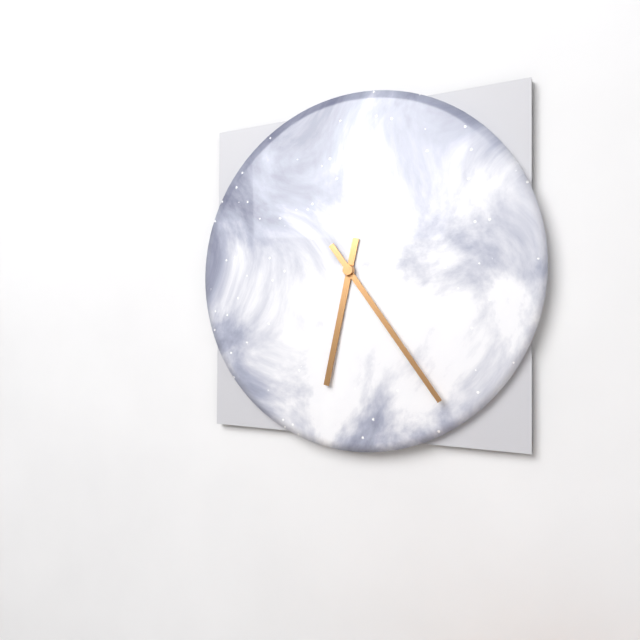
6:24
